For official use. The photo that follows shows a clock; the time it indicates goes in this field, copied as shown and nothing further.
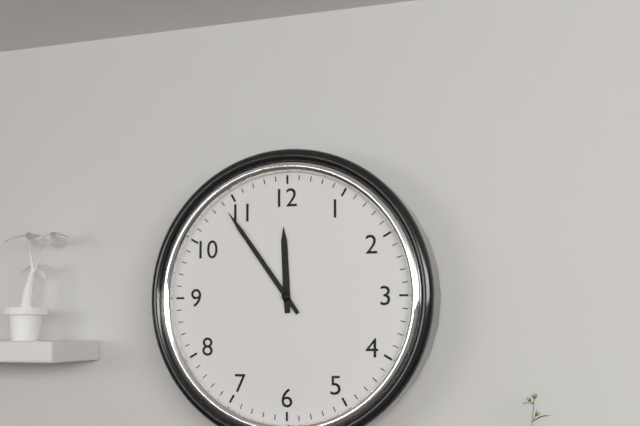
11:54
